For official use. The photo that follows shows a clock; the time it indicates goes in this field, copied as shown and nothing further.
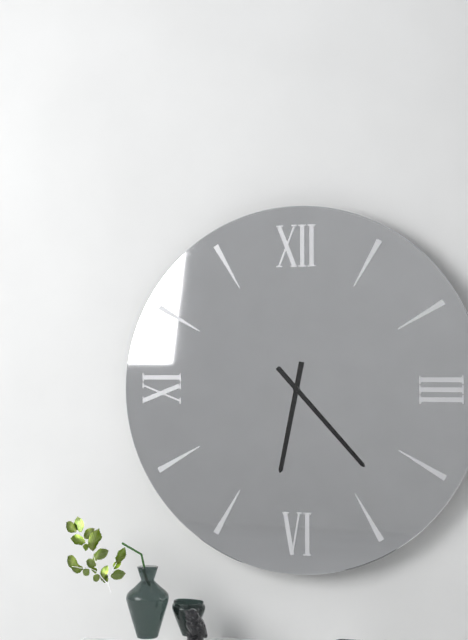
6:23
